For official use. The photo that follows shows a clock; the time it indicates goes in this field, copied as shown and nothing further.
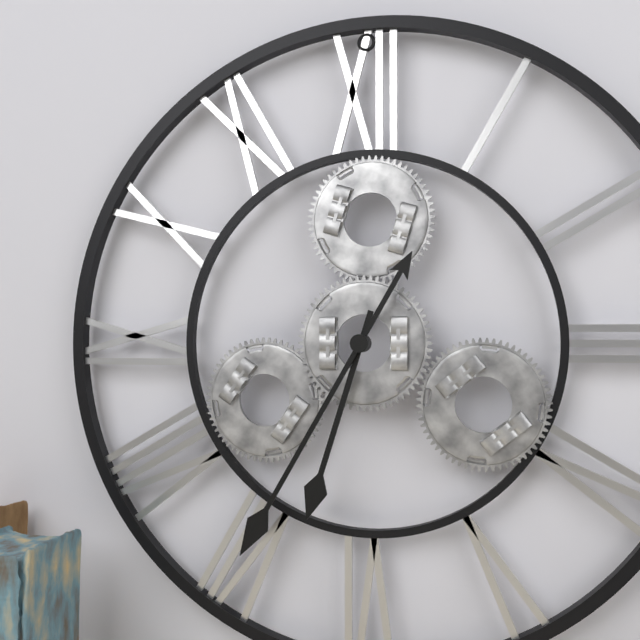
6:35
